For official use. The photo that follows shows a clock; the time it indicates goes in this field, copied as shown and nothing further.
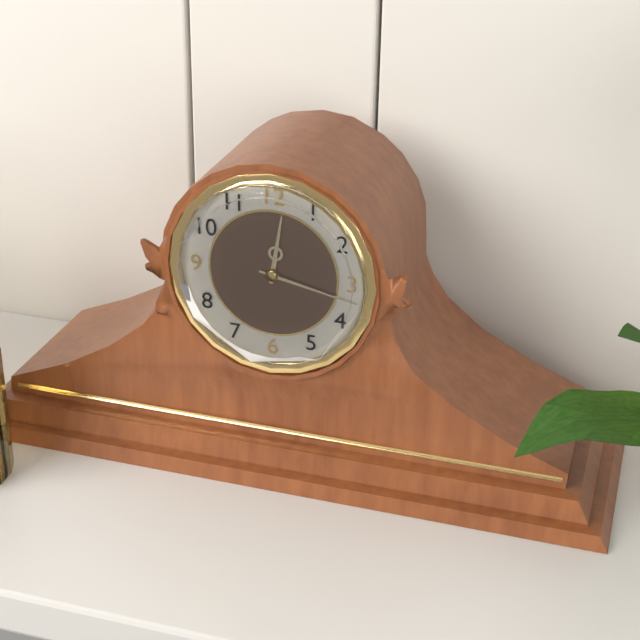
12:17
